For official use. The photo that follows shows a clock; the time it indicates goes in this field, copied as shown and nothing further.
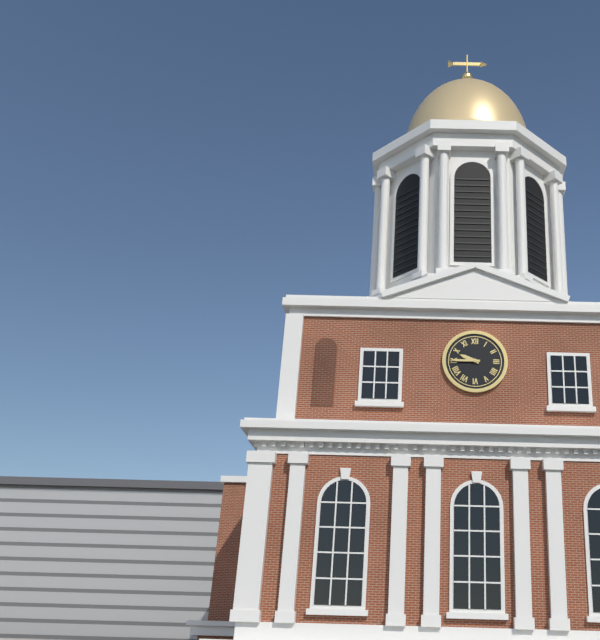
9:45
